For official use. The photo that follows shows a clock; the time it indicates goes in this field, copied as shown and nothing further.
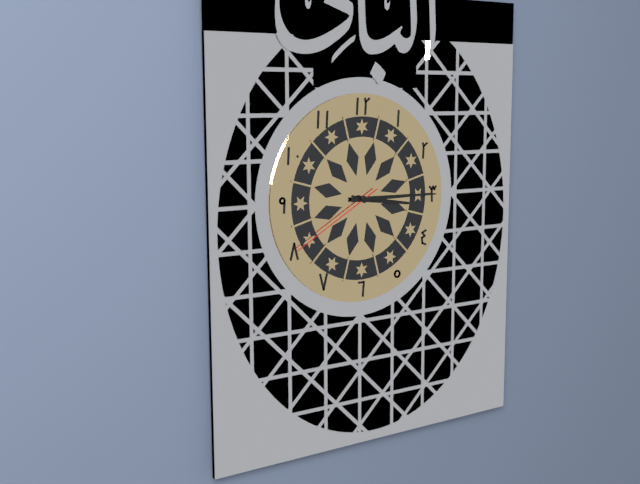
3:15:40
